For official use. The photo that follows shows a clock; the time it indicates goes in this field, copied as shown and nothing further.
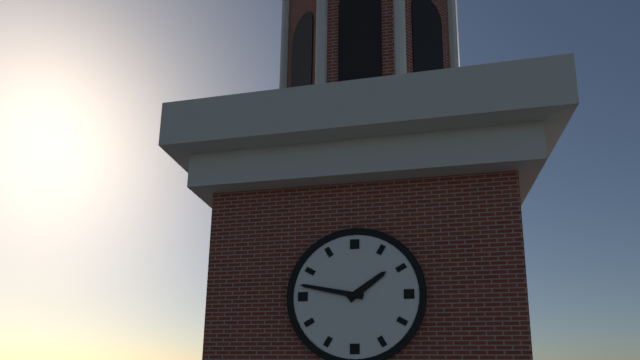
1:47
